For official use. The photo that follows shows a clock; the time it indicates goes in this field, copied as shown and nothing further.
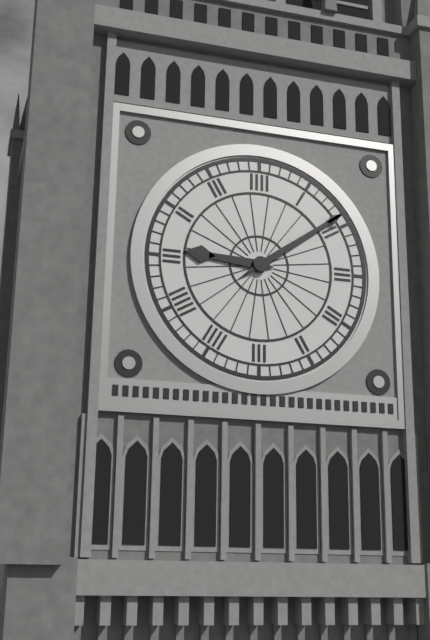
9:09
